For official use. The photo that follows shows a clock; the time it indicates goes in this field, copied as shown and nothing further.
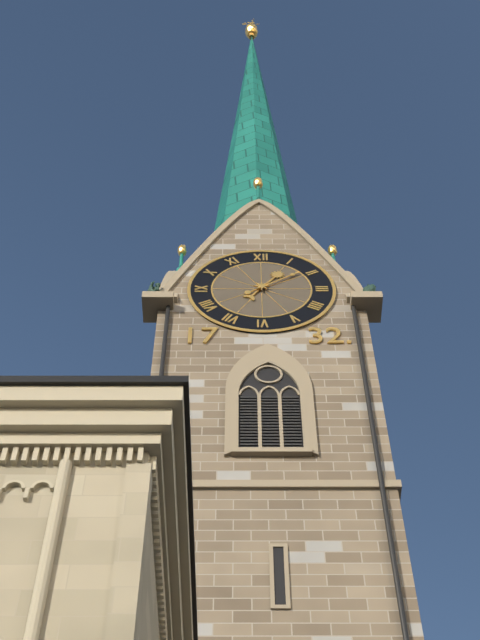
1:09
